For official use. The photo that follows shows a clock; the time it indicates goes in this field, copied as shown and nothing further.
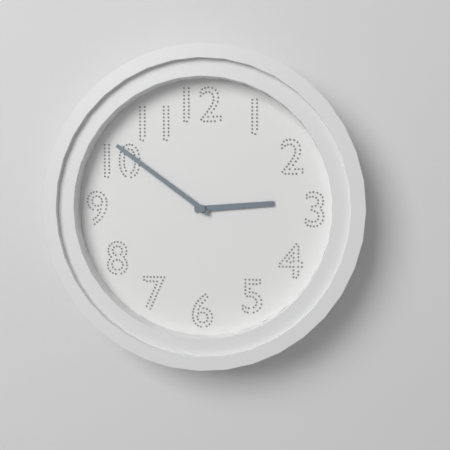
2:51
